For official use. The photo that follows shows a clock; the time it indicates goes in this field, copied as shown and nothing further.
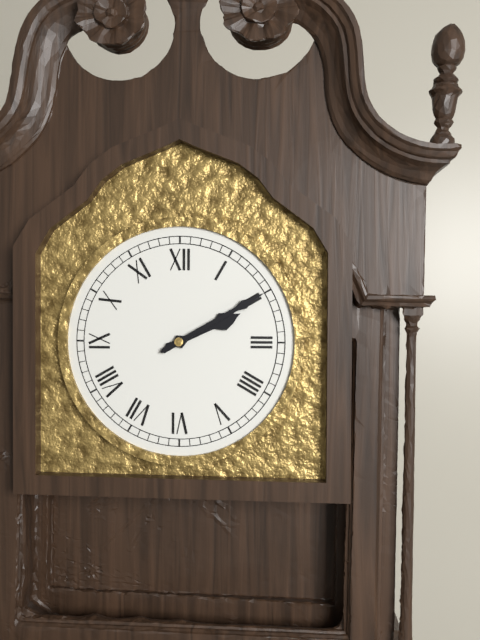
2:10
